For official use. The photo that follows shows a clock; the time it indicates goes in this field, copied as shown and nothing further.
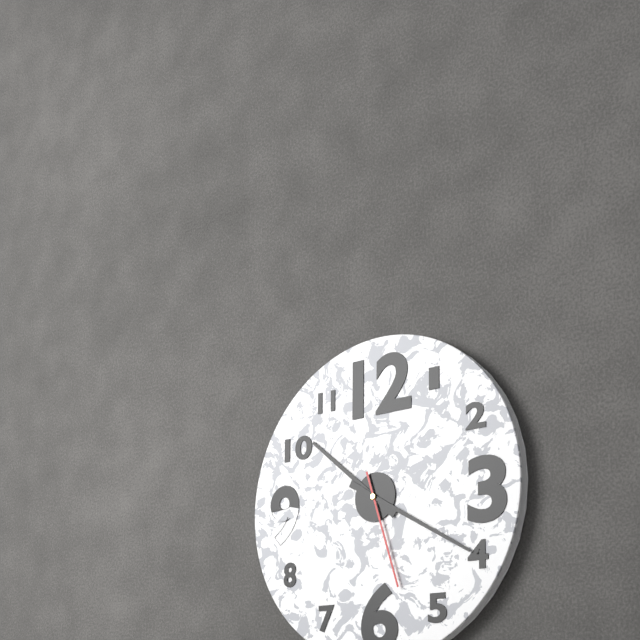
10:20:27
